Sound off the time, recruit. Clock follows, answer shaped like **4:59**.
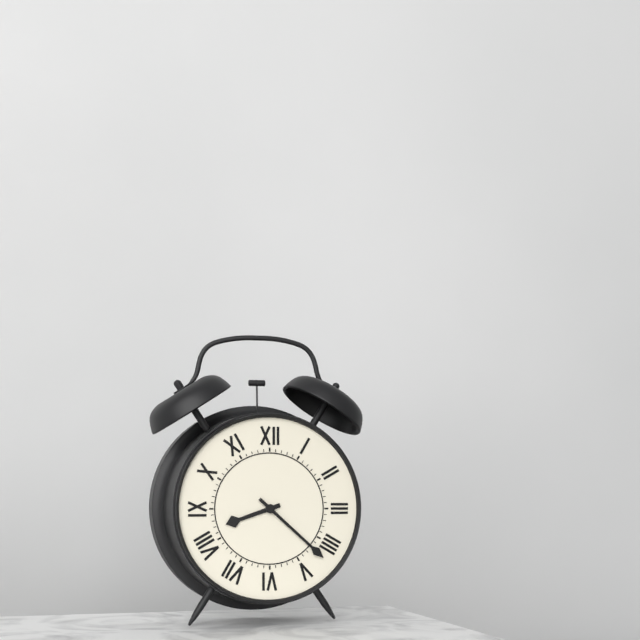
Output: **8:22**
